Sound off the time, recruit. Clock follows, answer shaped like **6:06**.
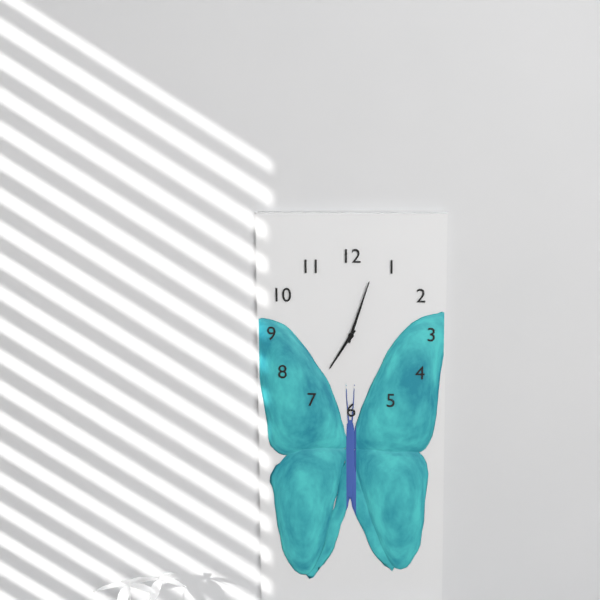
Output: **7:03**
